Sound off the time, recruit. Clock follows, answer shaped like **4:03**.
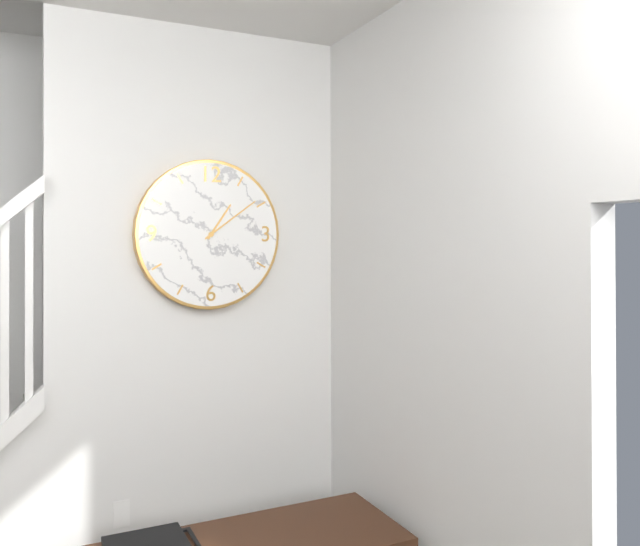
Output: **1:09**
